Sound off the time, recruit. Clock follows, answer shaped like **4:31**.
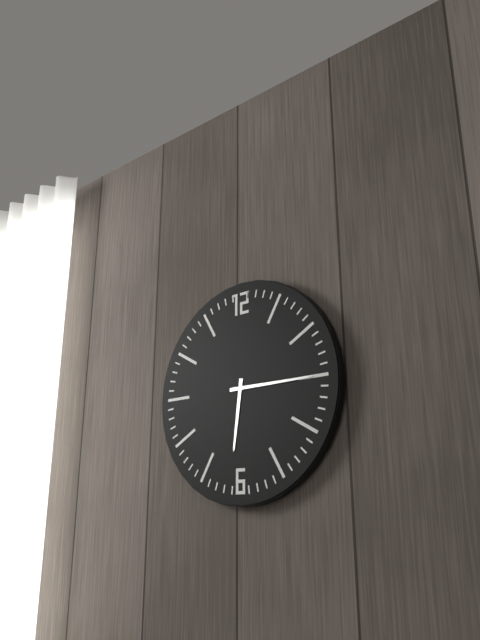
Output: **6:15**
